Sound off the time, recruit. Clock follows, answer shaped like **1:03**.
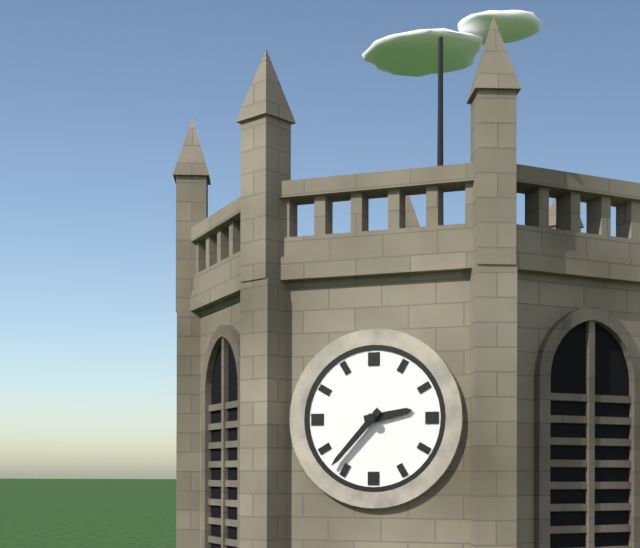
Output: **2:37**
